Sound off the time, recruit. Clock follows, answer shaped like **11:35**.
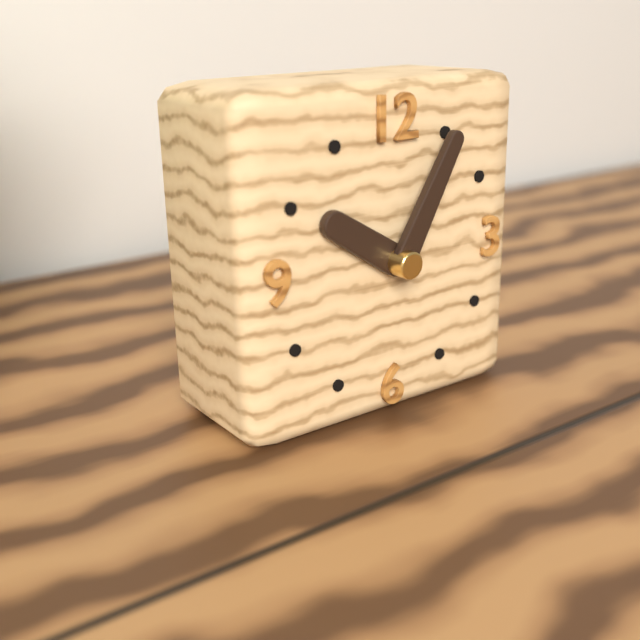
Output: **10:05**
